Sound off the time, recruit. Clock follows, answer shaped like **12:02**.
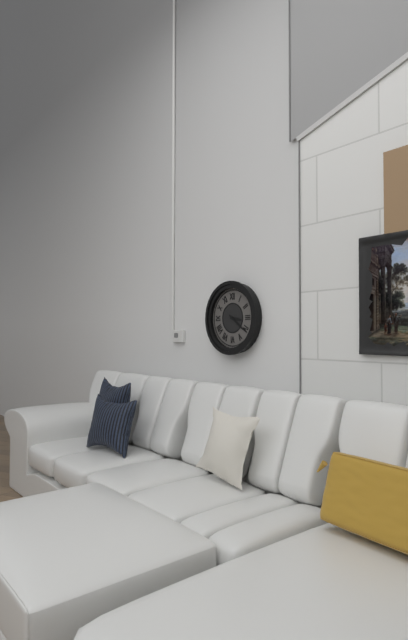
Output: **3:21**
